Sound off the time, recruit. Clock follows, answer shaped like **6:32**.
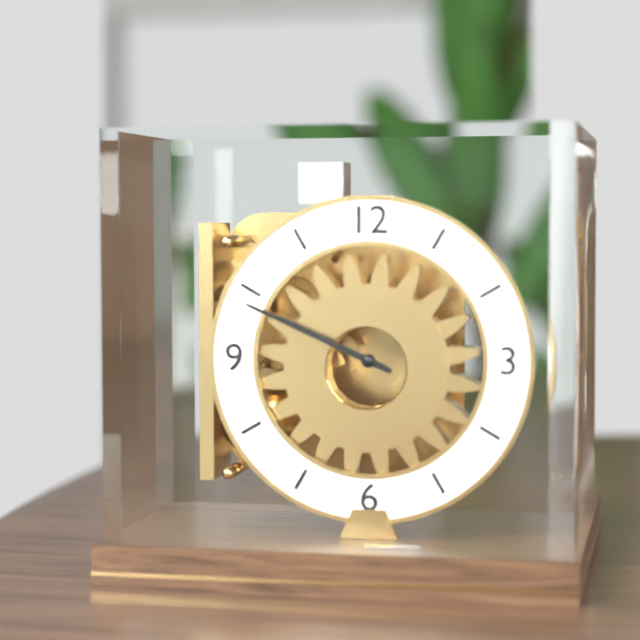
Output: **9:49**
